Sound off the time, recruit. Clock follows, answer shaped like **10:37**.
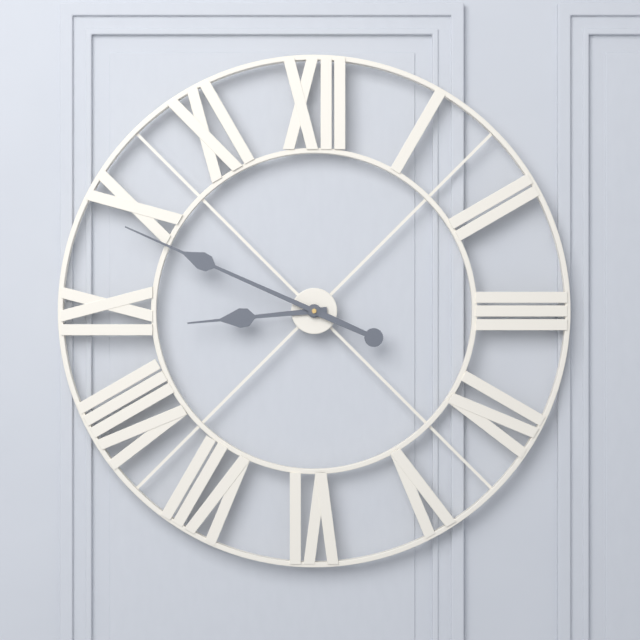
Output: **8:49**
